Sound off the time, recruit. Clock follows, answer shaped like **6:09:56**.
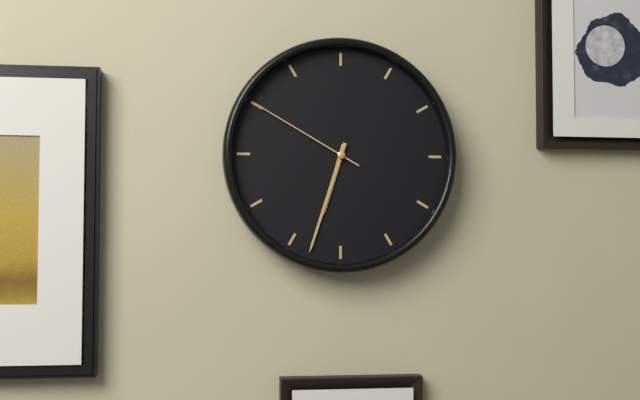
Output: **6:33:50**
